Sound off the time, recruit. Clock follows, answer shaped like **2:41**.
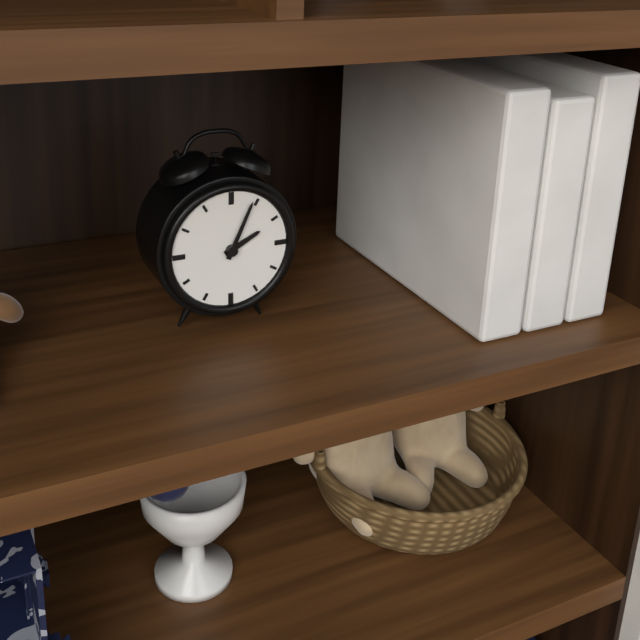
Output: **2:04**
